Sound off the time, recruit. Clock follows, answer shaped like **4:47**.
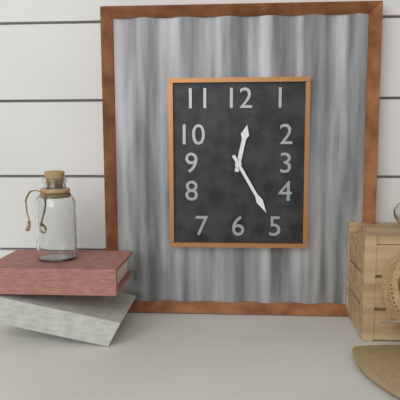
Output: **12:25**
